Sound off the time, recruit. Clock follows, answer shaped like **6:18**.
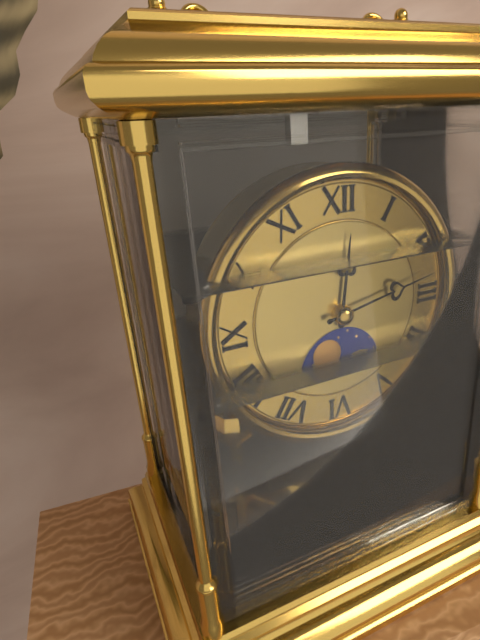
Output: **12:13**
